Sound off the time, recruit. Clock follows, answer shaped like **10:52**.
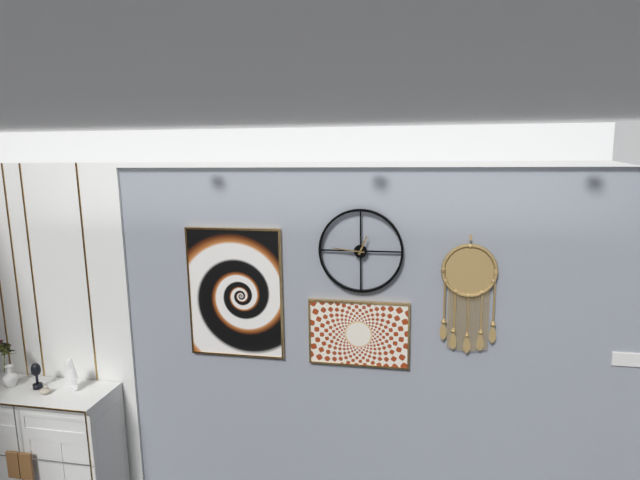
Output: **12:46**
